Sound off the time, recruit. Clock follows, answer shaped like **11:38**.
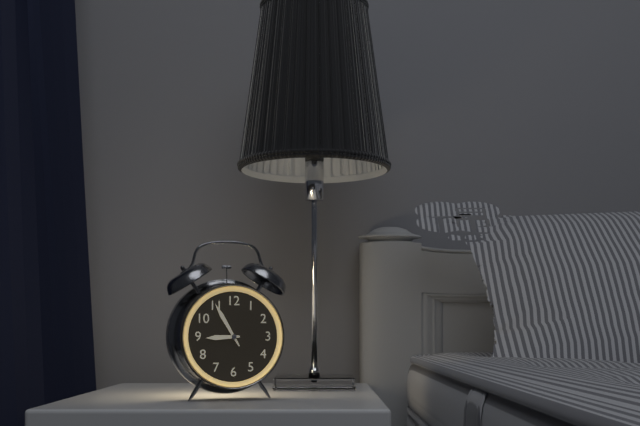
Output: **8:55**
